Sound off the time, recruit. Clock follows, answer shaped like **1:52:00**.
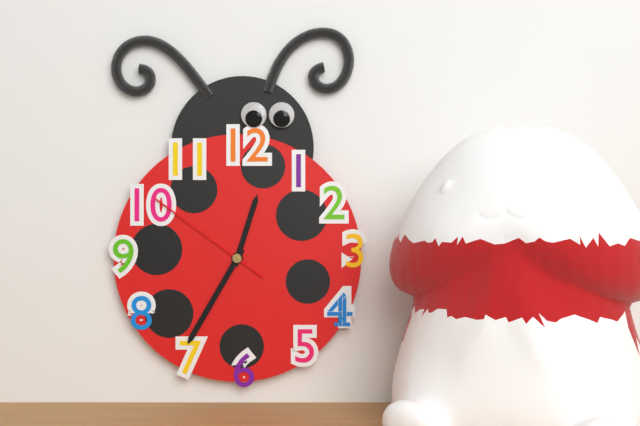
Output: **12:35:51**
